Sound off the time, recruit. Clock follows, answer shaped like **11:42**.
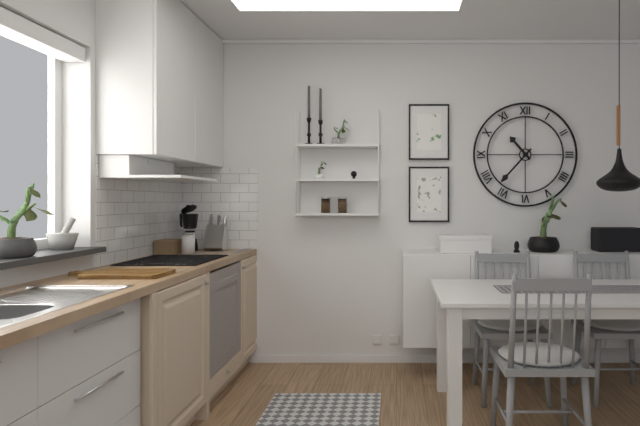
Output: **10:37**
